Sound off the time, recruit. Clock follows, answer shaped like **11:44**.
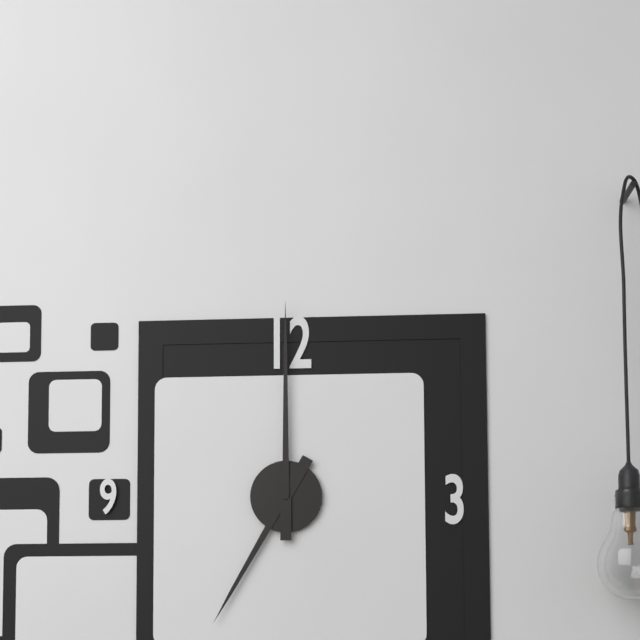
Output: **7:00**
